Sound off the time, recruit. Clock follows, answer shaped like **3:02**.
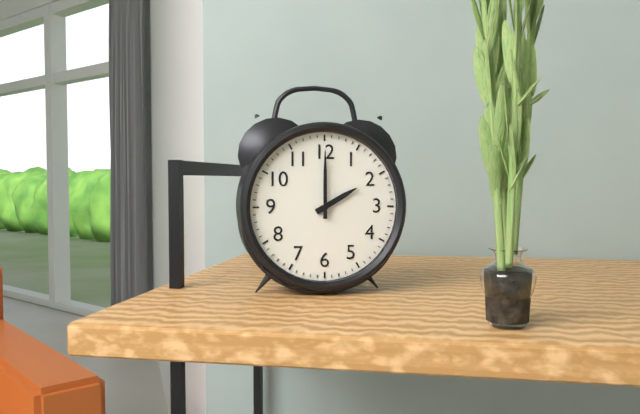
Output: **2:00**
